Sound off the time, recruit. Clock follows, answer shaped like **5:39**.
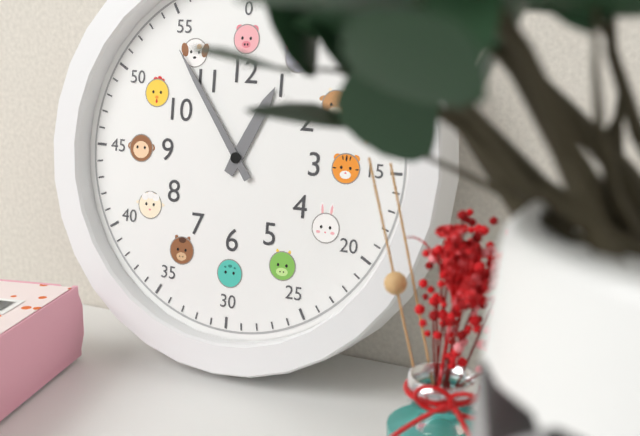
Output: **12:54**
